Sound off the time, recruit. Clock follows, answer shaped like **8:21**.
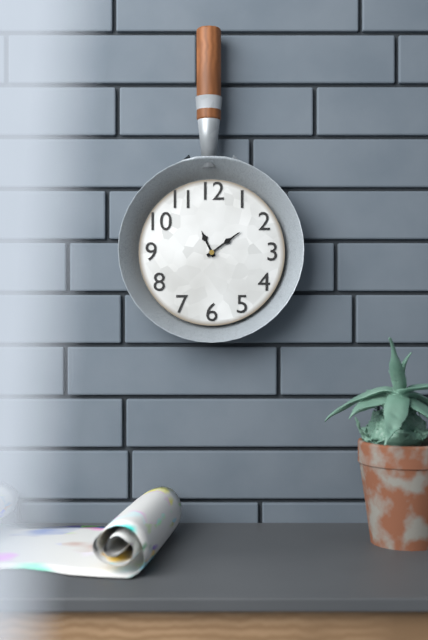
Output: **11:09**
